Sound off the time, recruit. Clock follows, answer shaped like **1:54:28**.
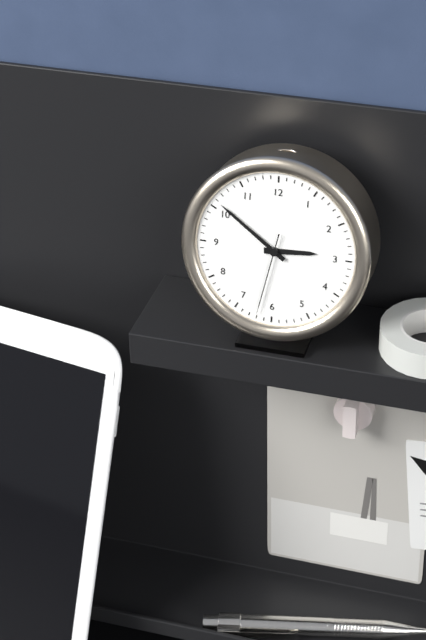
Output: **2:51:32**
